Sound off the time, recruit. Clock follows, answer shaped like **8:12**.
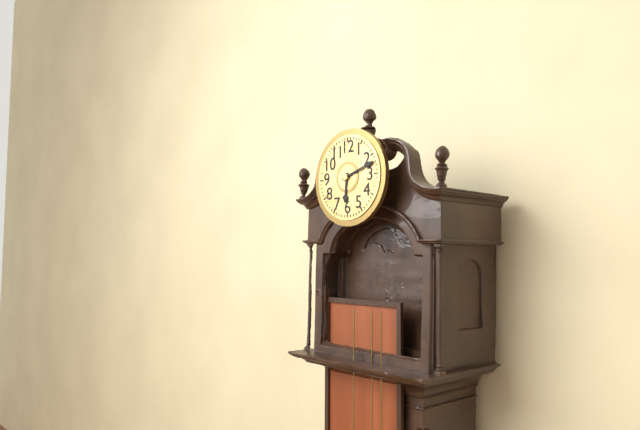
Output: **6:12**
